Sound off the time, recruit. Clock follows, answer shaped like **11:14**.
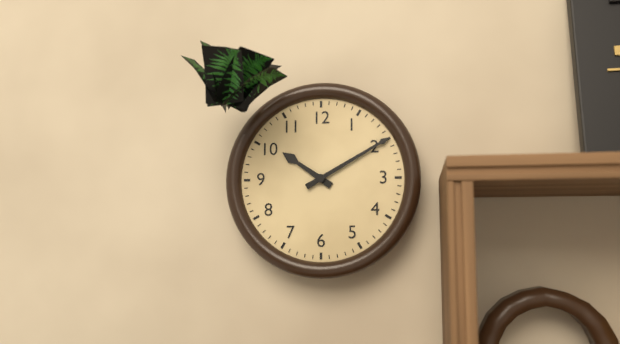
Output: **10:10**
